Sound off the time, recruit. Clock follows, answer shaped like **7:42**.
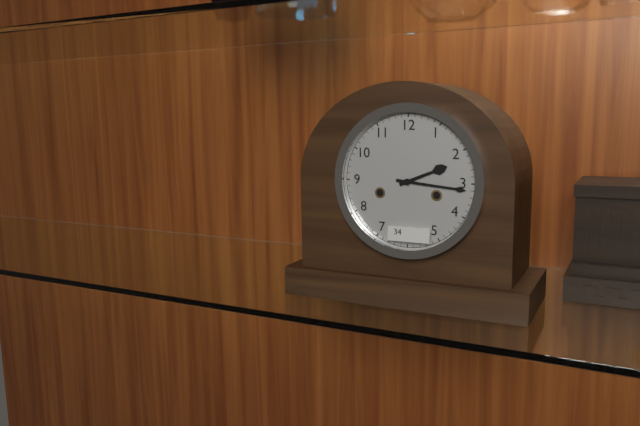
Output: **2:16**
